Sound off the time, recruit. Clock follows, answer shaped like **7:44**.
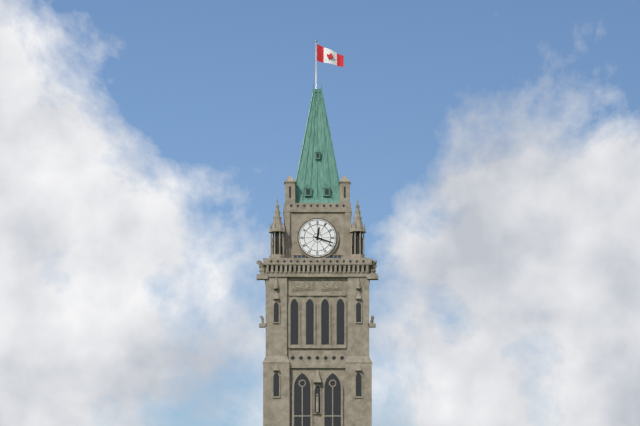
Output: **12:18**
